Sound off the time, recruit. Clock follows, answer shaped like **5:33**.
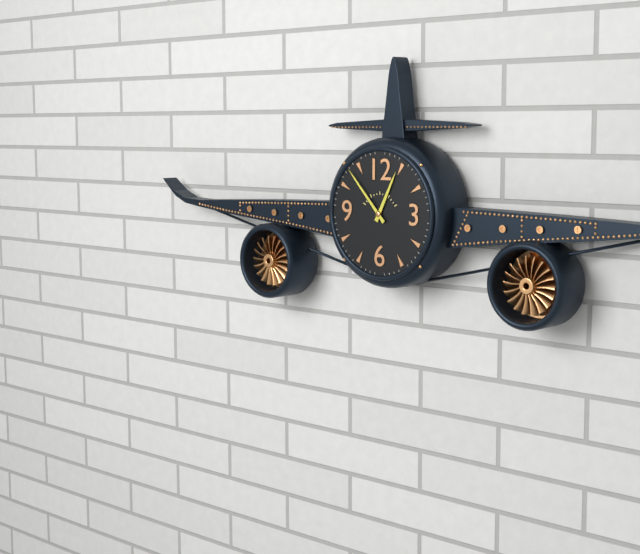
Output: **12:53**
